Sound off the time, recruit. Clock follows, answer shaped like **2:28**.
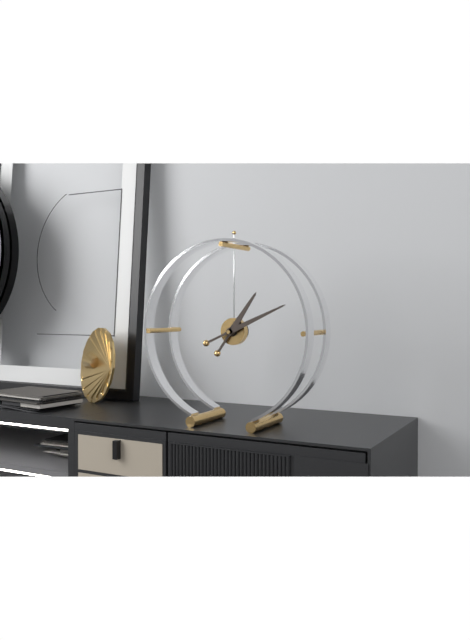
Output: **1:11**
